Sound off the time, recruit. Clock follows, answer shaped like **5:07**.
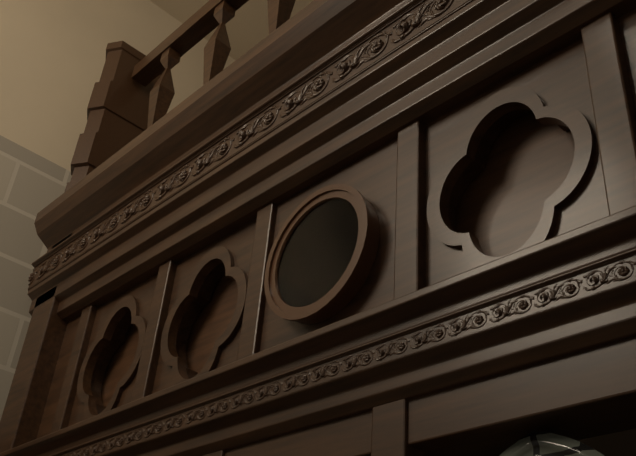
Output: **5:46**
